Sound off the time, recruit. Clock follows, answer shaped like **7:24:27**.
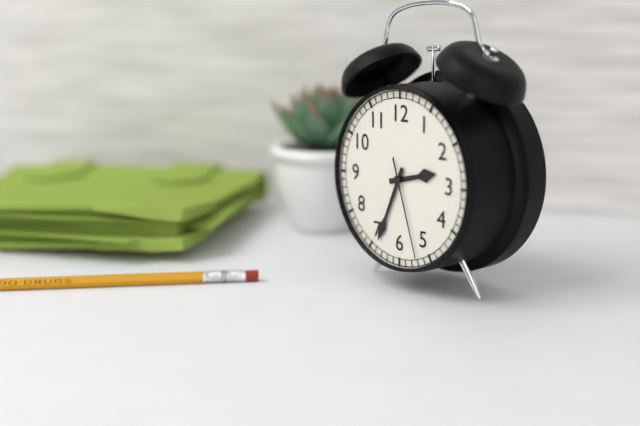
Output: **2:34:27**
